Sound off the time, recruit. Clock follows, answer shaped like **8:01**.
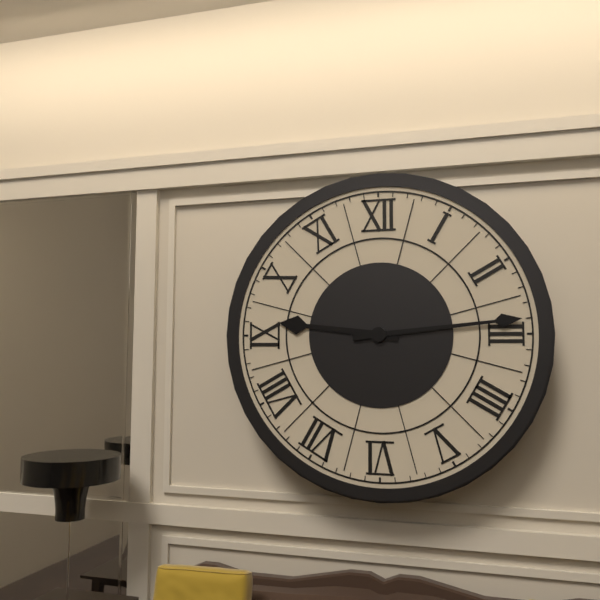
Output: **9:14**
